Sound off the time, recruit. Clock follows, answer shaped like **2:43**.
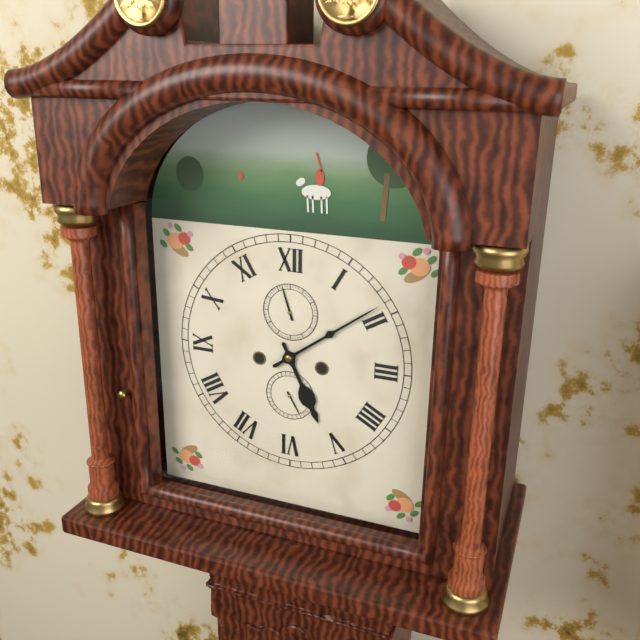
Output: **5:09**
